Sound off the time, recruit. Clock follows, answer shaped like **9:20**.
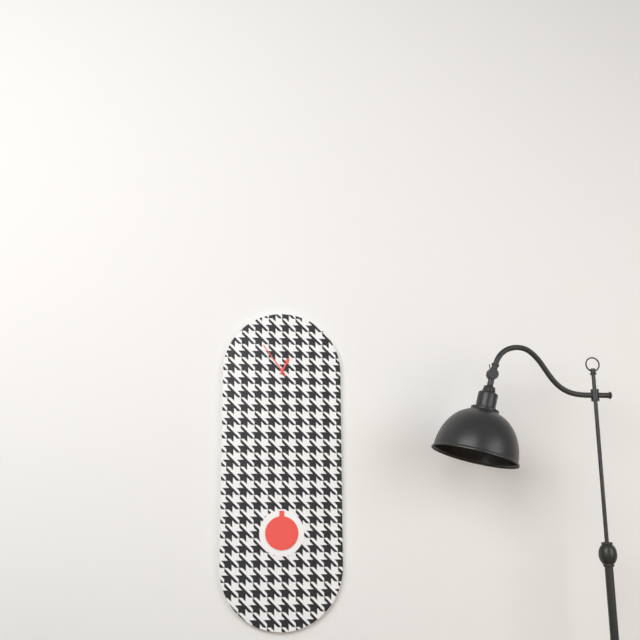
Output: **12:54**
